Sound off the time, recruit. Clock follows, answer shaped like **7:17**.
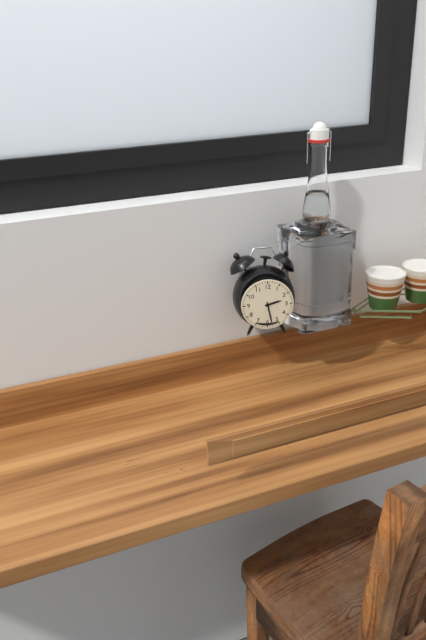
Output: **2:28**
